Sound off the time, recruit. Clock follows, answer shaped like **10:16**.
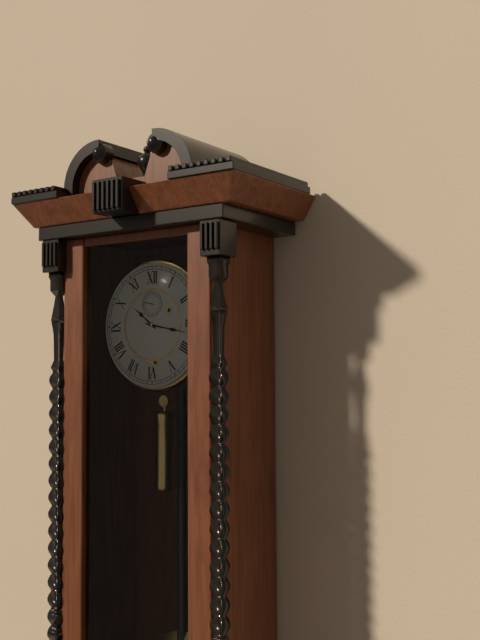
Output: **10:17**
